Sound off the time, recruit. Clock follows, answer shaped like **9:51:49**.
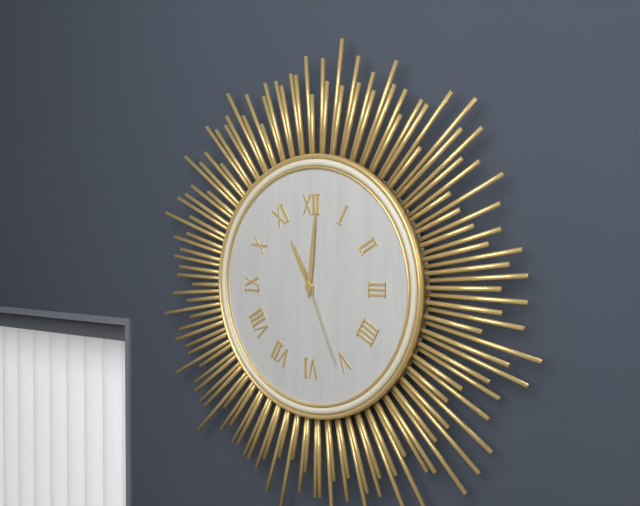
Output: **11:01:26**
